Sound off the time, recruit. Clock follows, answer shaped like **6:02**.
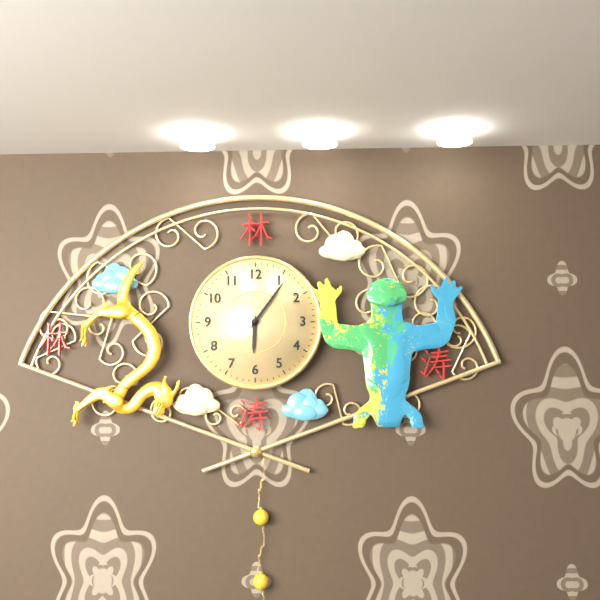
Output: **6:06**
